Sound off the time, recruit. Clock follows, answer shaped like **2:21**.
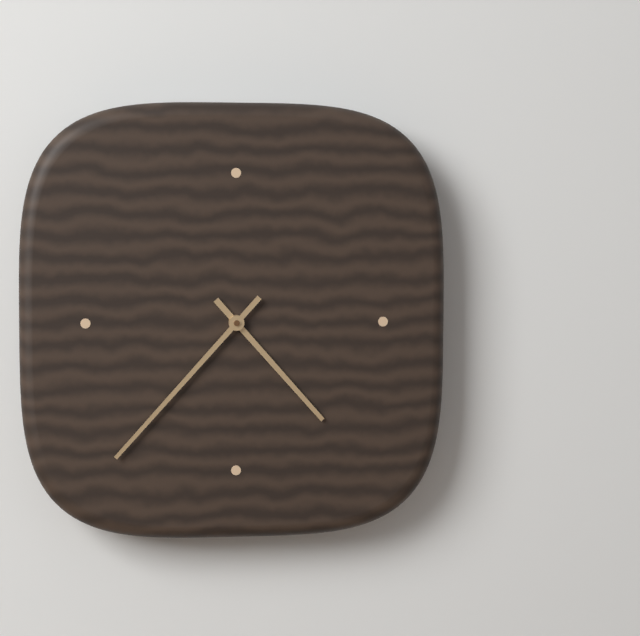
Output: **4:37**
